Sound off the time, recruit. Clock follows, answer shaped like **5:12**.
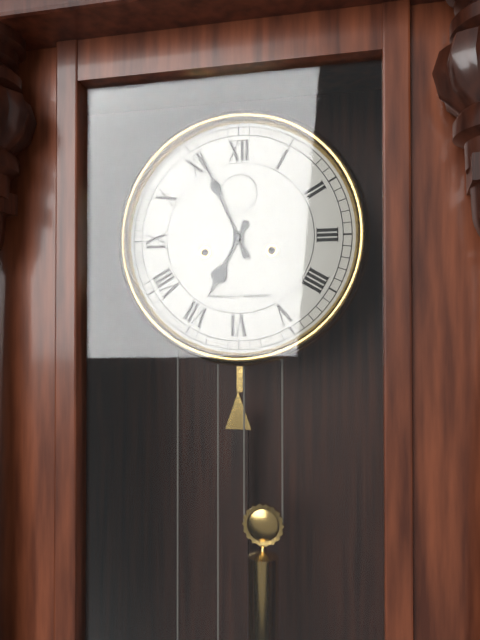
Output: **6:56**
